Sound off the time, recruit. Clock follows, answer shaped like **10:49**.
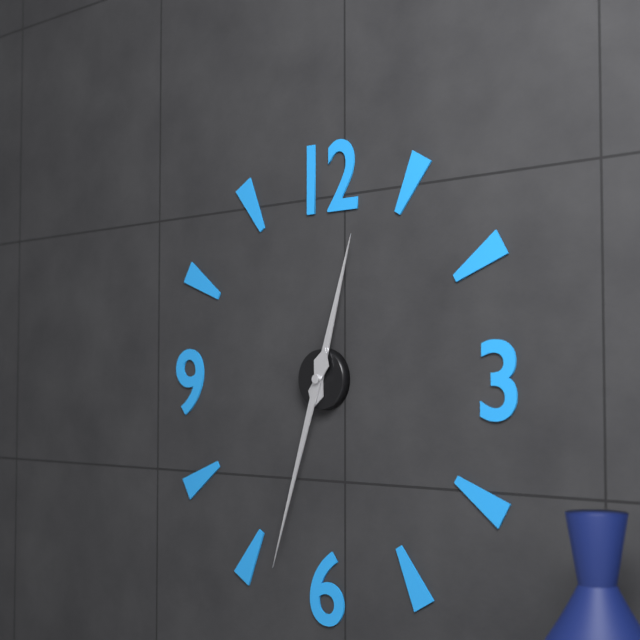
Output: **12:33**
